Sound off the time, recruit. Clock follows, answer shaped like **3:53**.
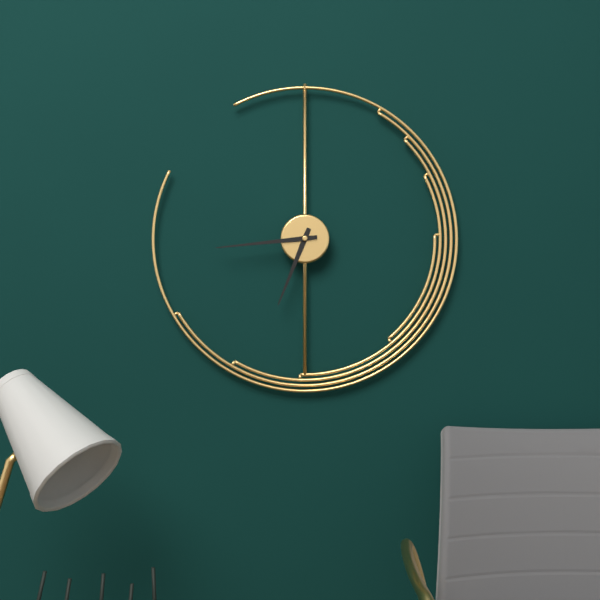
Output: **6:44**
